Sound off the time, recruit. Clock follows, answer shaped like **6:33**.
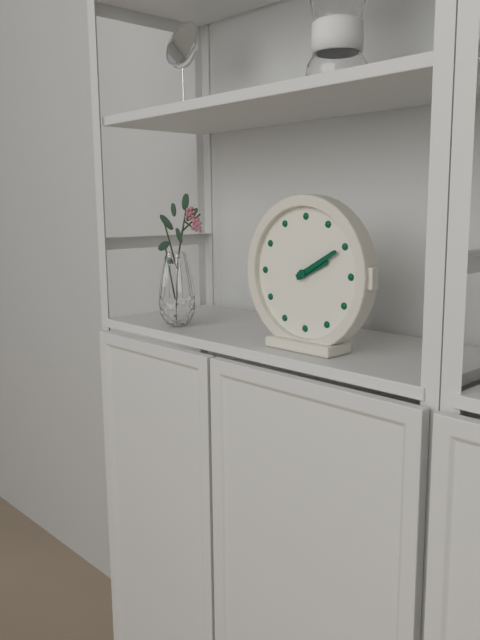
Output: **2:10**
